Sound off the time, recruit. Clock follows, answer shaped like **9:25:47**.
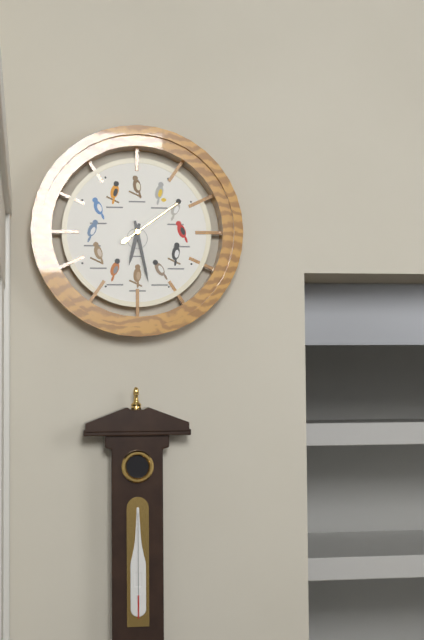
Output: **6:28:09**
